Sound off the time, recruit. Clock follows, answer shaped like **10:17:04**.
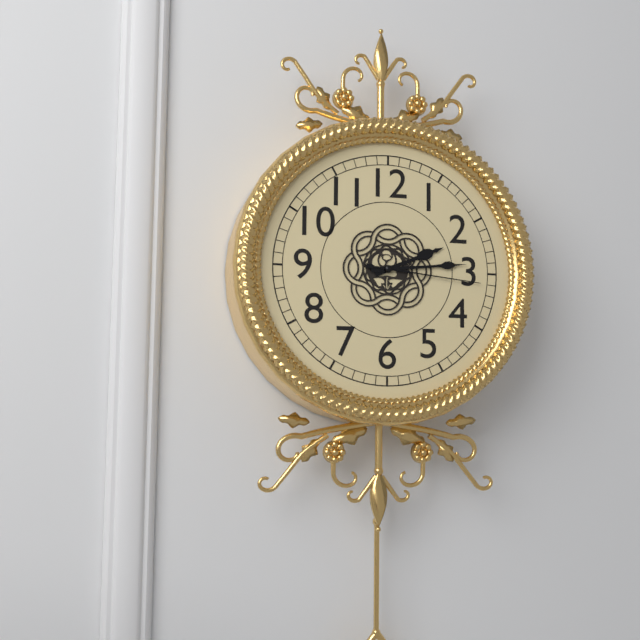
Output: **2:14:16**
